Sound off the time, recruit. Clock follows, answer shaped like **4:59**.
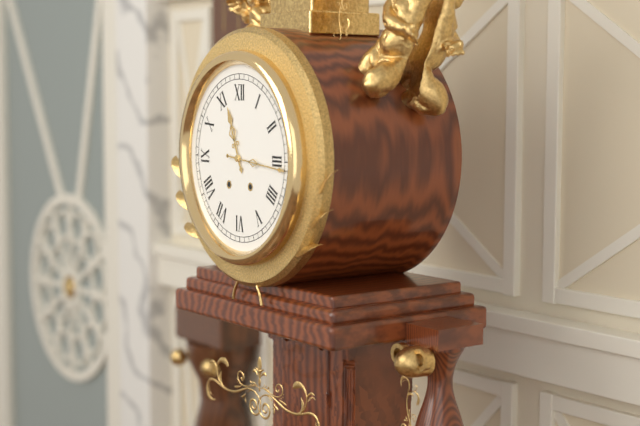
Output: **11:16**
